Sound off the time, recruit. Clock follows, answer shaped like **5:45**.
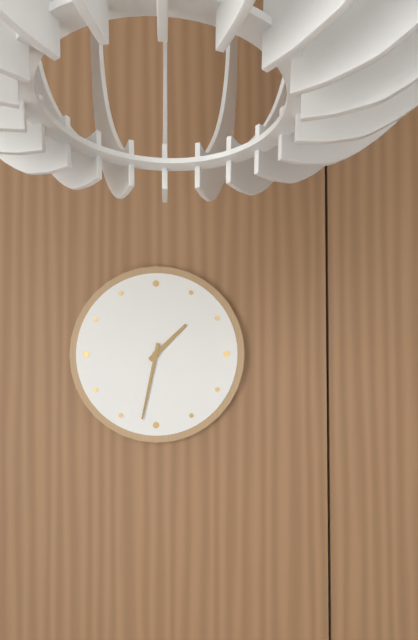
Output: **1:32**
